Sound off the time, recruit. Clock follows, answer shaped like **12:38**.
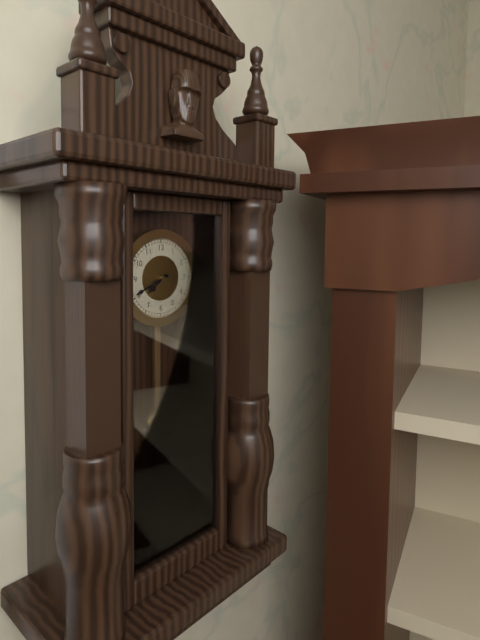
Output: **7:41**
